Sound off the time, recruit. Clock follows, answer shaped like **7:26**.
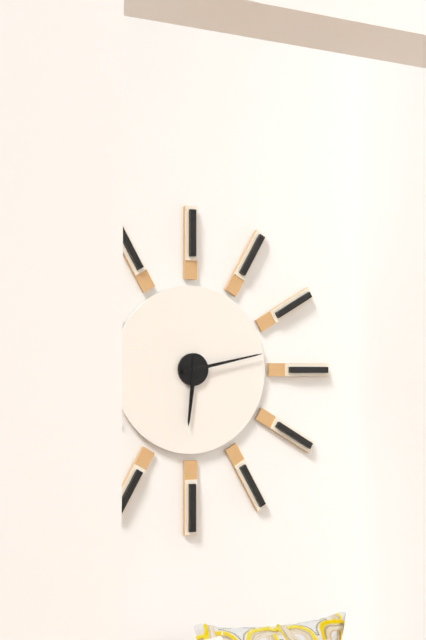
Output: **6:13**
